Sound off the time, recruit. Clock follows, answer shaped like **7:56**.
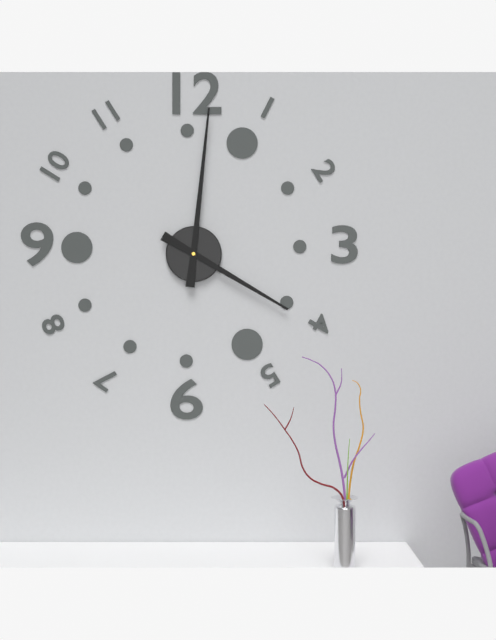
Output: **4:01**
